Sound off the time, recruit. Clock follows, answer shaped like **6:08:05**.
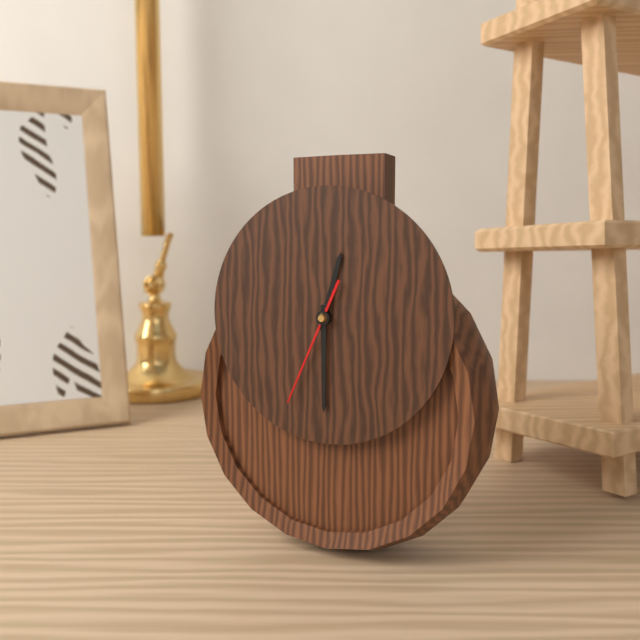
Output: **12:30:34**
